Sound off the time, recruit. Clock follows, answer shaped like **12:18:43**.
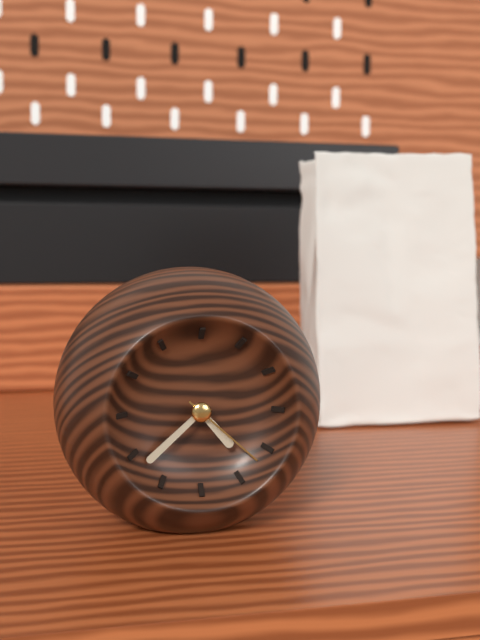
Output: **4:38:22**
